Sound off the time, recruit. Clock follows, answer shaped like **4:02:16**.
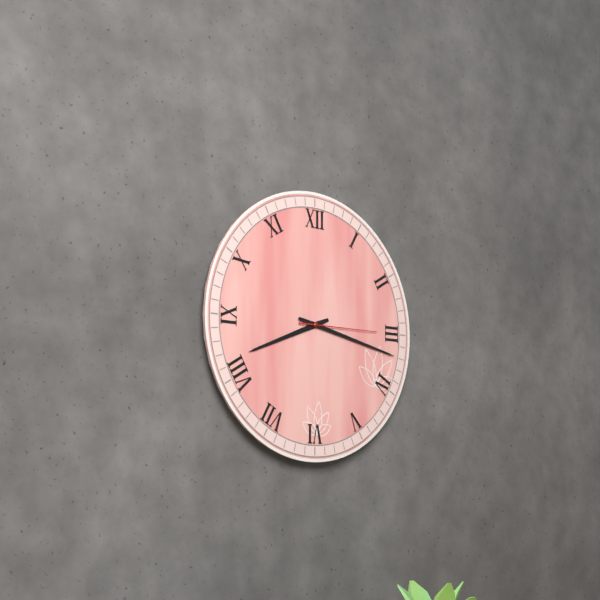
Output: **8:17:15**
